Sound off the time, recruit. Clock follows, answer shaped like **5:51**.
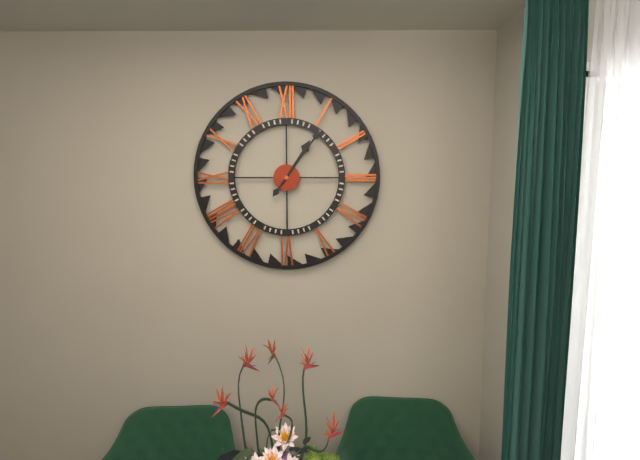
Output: **1:06**
